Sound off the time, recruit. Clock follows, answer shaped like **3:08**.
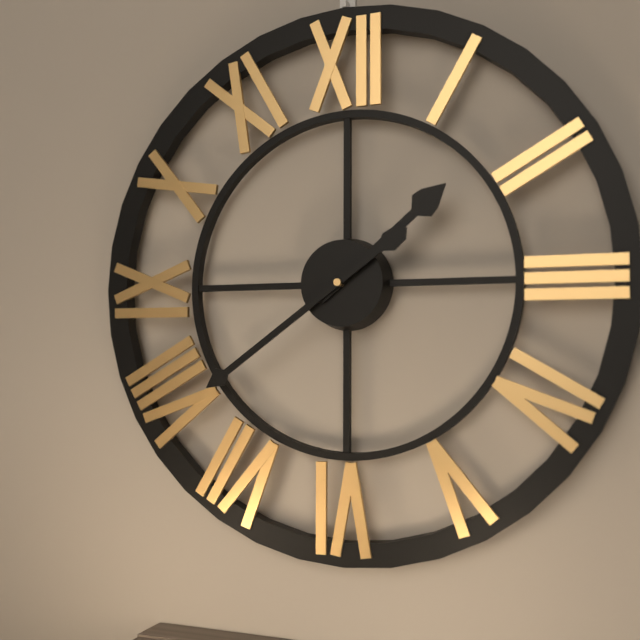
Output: **1:39**
